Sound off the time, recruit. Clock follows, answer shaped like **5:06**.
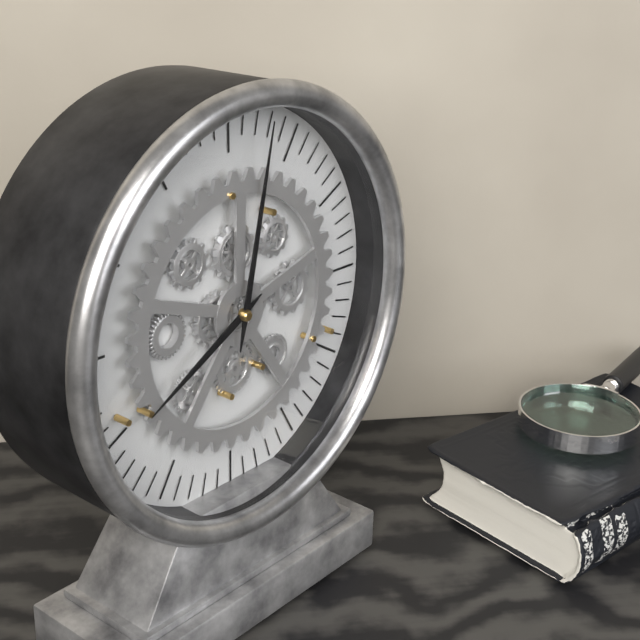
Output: **8:02**
